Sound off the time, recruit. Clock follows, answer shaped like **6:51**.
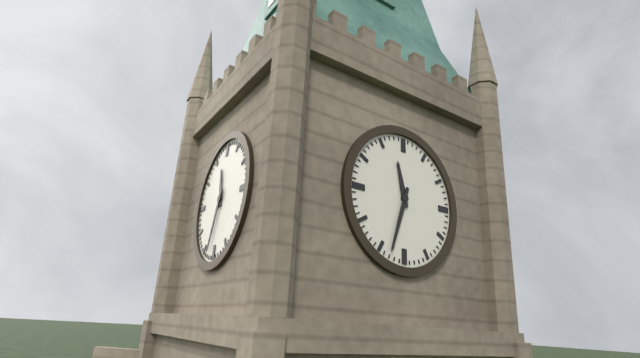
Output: **11:33**
